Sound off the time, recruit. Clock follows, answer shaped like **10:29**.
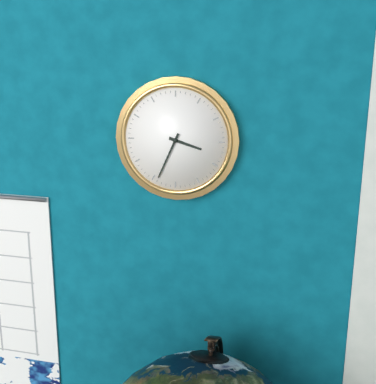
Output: **3:34**
